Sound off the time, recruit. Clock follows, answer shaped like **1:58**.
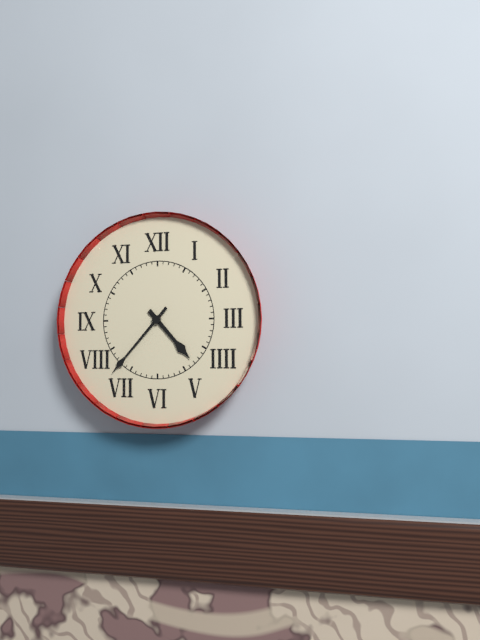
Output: **4:37**
